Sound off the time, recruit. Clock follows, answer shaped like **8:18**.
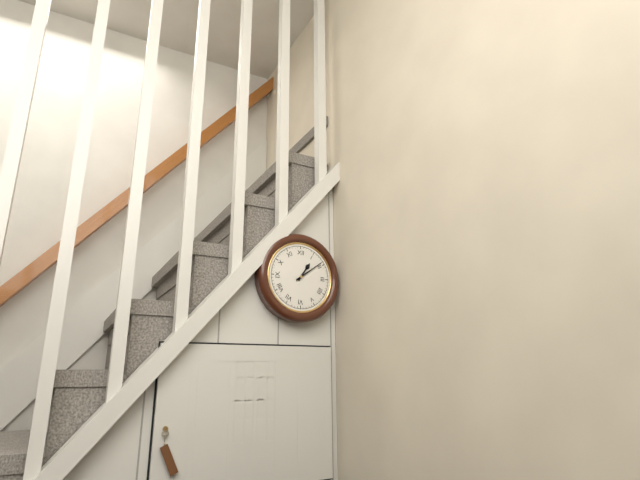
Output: **1:09**
